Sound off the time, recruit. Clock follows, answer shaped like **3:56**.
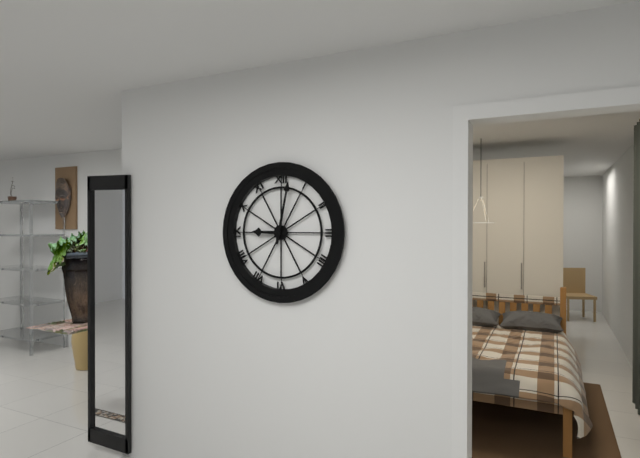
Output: **9:02**
